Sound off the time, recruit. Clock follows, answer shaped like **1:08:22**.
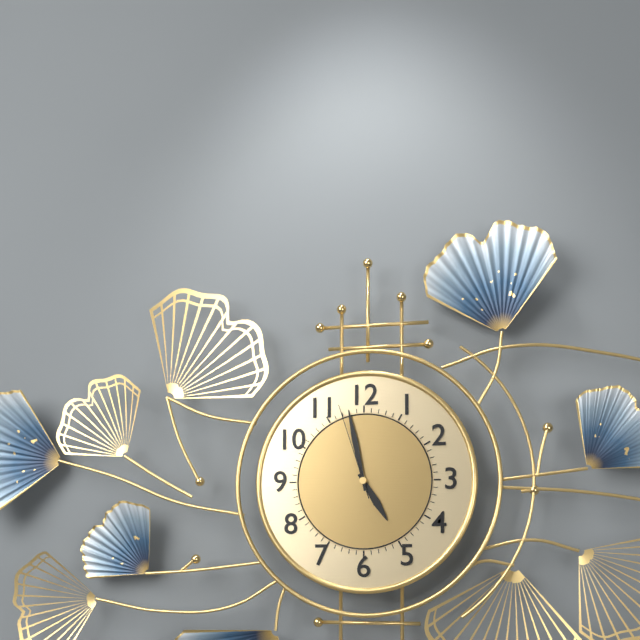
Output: **4:58:57**
